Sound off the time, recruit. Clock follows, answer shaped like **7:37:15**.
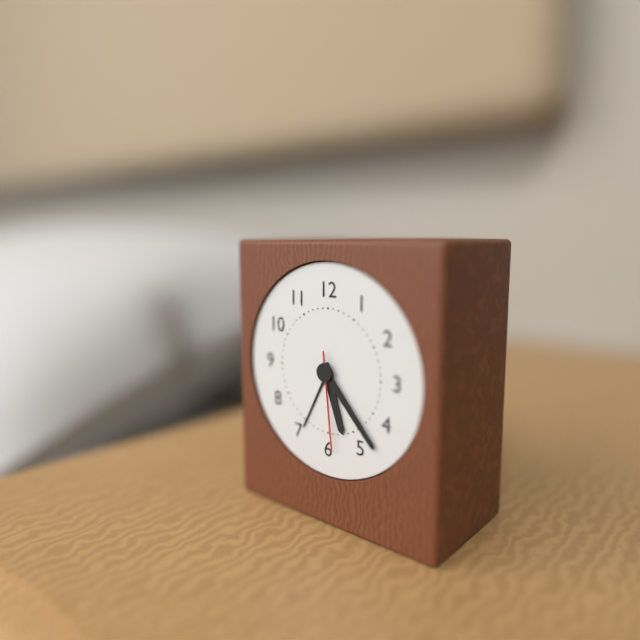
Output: **5:23:29**
